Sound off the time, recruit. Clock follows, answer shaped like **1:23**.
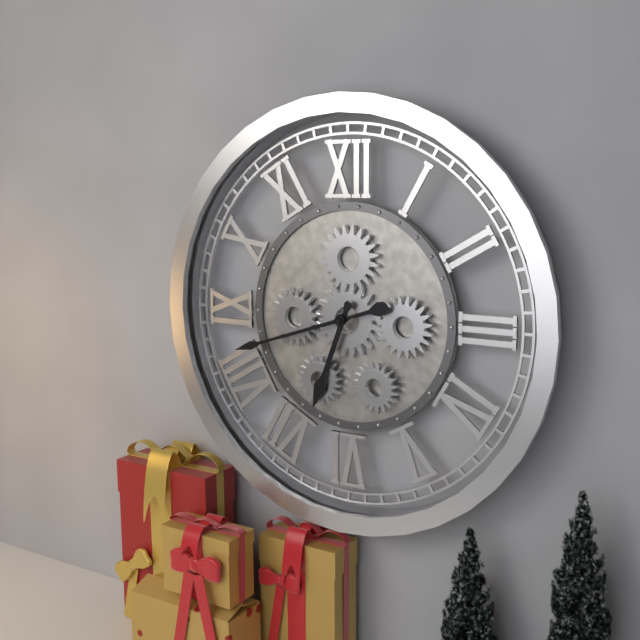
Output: **6:42**
